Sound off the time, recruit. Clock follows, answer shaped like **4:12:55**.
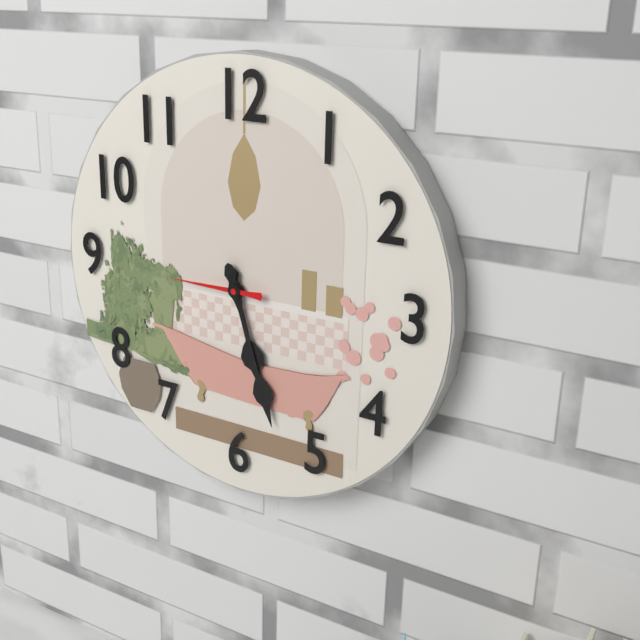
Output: **5:27:45**
